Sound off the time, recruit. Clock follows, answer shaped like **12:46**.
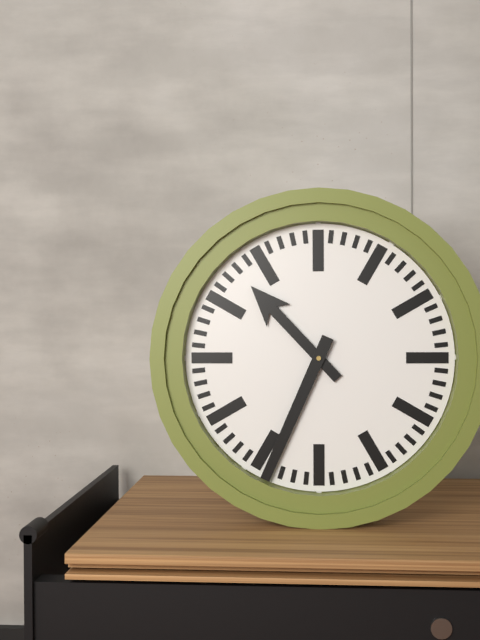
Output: **10:34**
